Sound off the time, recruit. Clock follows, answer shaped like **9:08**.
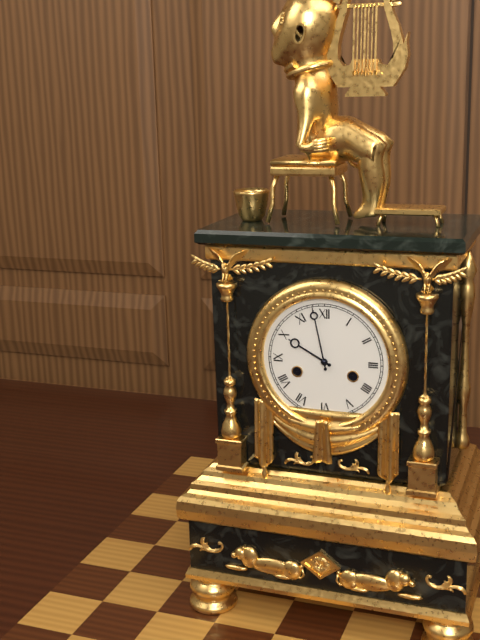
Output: **9:58**
